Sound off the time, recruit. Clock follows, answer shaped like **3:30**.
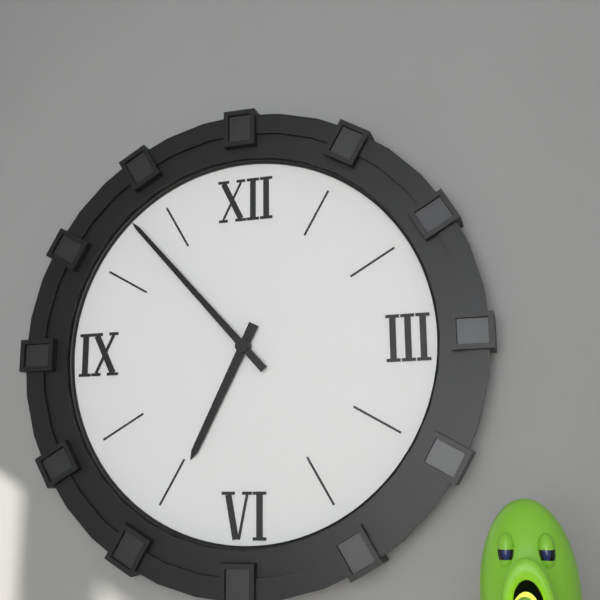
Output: **6:53**
